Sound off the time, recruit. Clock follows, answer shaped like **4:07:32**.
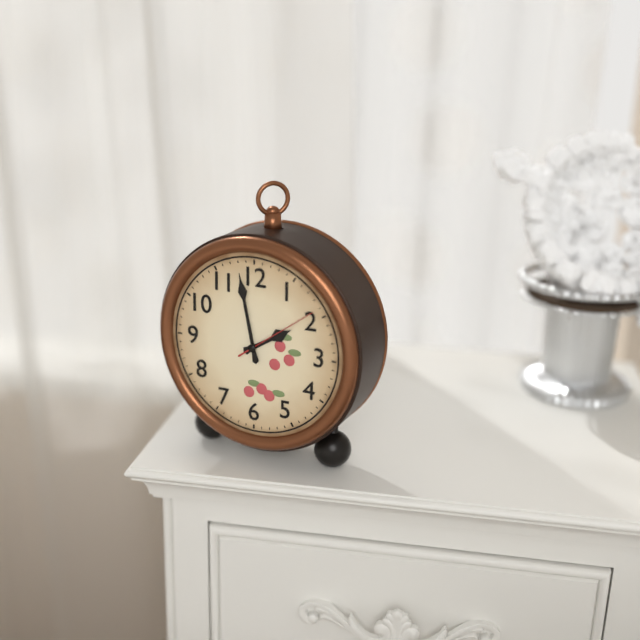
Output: **1:58:09**
